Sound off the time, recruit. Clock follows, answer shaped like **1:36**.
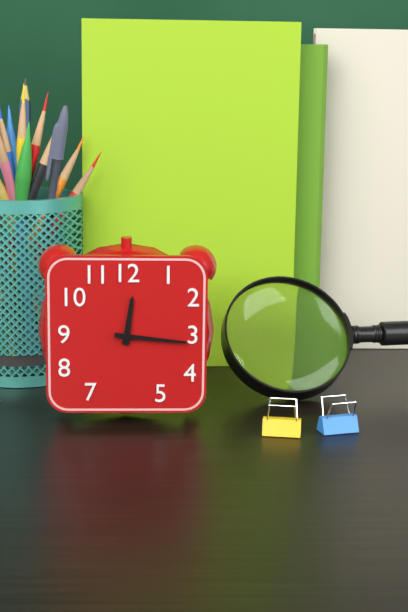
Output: **12:16**
